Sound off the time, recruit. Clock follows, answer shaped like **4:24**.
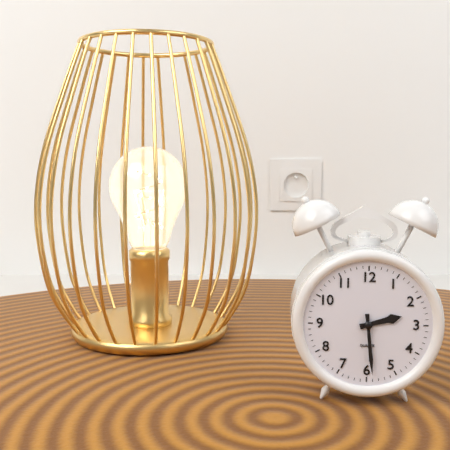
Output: **2:29**
